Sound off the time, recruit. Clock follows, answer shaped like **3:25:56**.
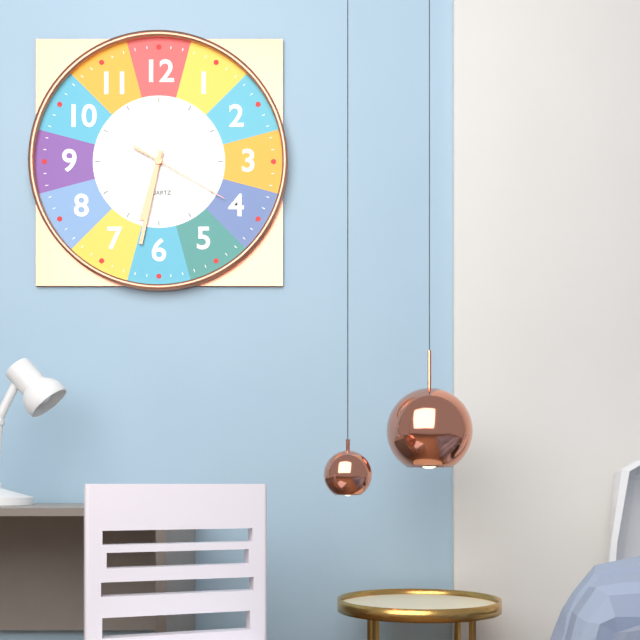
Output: **6:32:20**
